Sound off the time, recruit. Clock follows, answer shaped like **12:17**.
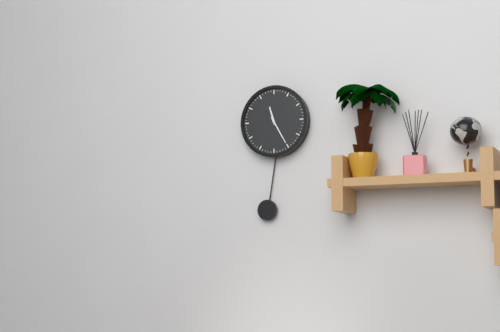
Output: **11:25**
